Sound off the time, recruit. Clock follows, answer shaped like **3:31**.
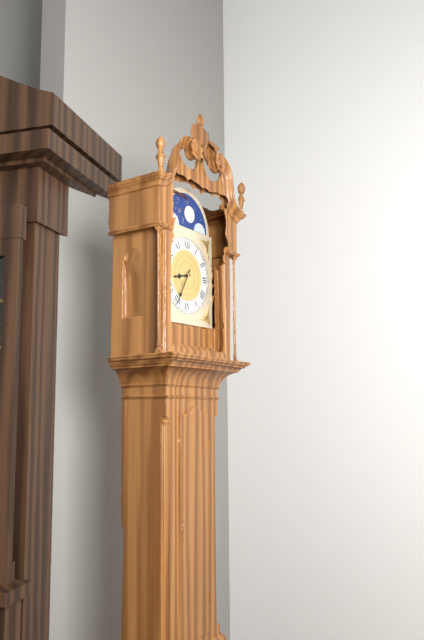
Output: **8:35**
